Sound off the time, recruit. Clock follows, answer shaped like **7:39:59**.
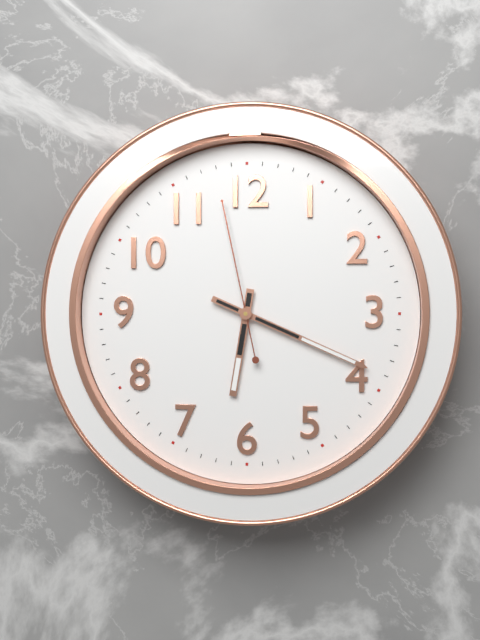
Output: **6:19:58**
